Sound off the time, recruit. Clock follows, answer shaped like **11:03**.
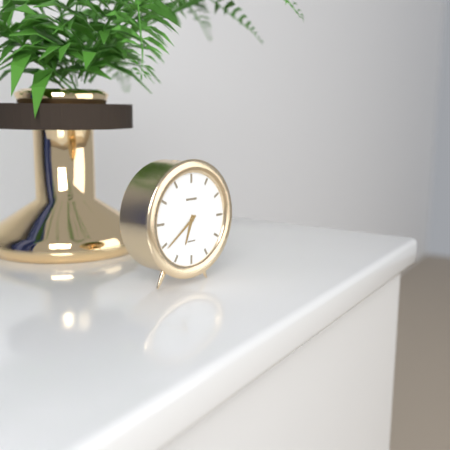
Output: **6:39**
